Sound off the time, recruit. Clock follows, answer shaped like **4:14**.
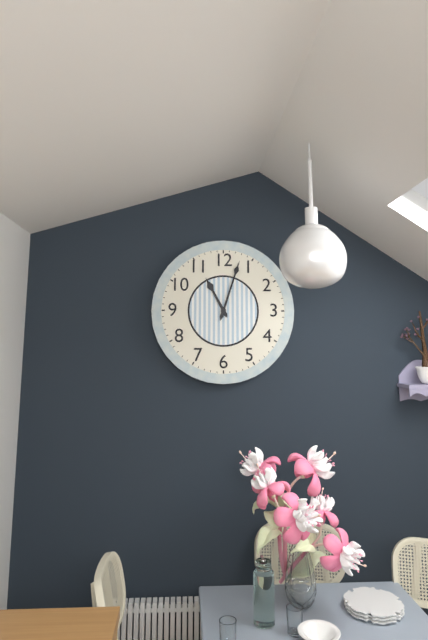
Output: **11:03**
